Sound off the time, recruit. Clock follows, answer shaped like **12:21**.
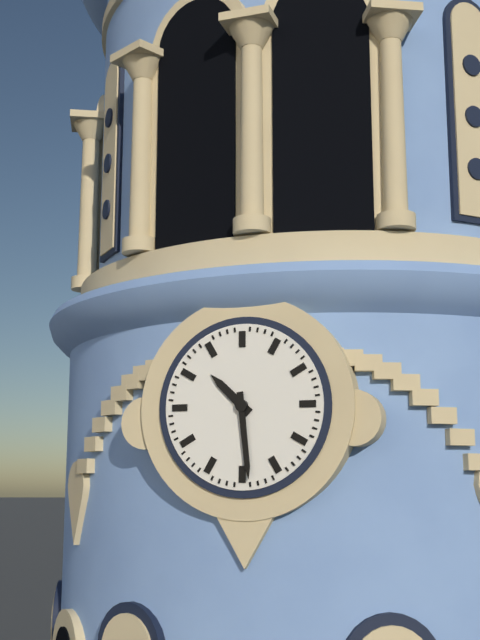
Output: **10:29**
